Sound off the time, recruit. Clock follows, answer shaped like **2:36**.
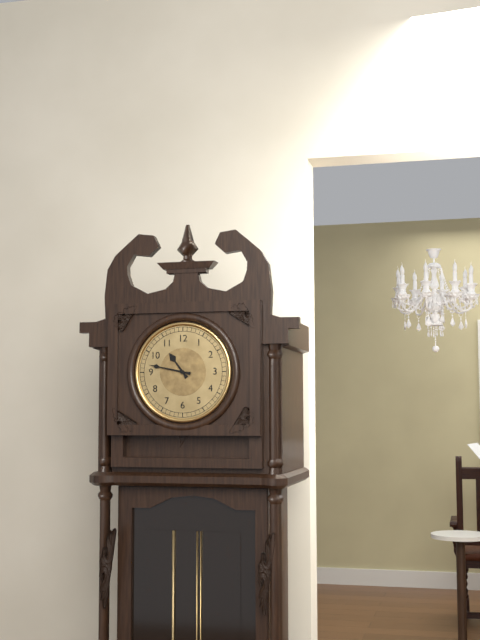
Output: **10:47**
